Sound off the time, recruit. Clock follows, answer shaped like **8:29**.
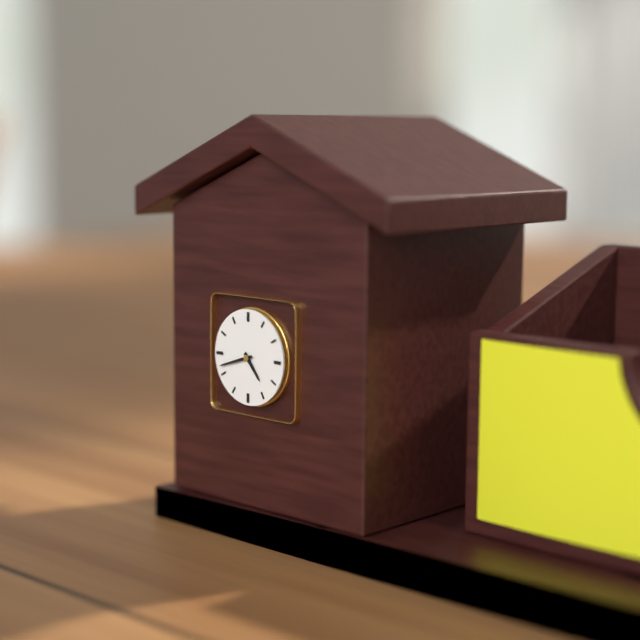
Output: **4:42**
